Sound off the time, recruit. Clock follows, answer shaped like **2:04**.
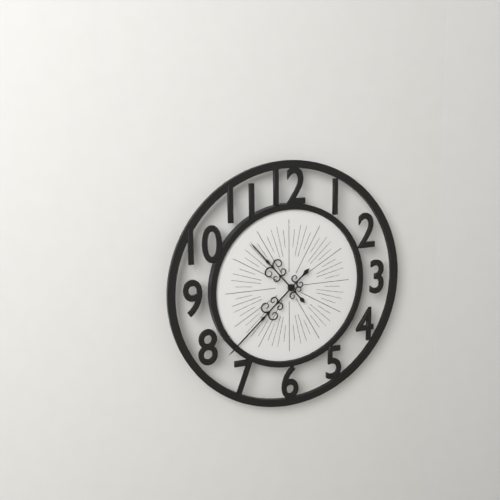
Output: **10:38**
